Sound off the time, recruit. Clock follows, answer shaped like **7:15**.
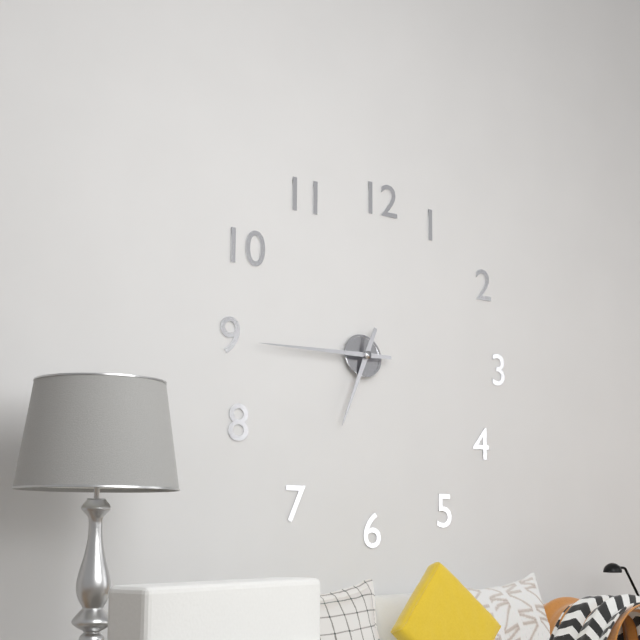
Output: **6:45**
